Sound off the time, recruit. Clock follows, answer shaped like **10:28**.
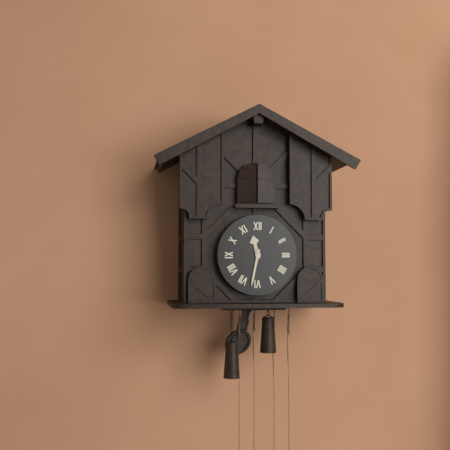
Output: **11:32**
